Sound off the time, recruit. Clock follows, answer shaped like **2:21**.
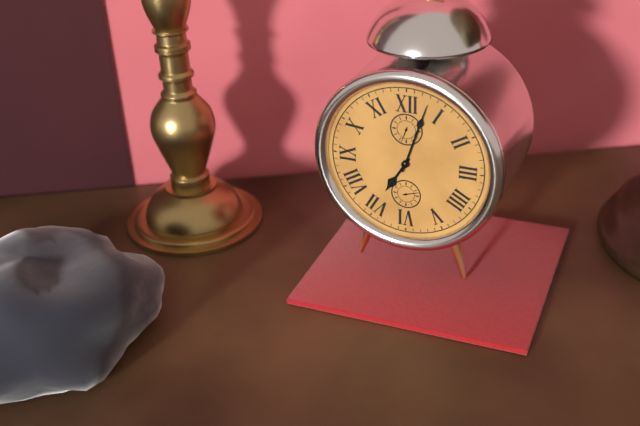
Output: **7:03**
